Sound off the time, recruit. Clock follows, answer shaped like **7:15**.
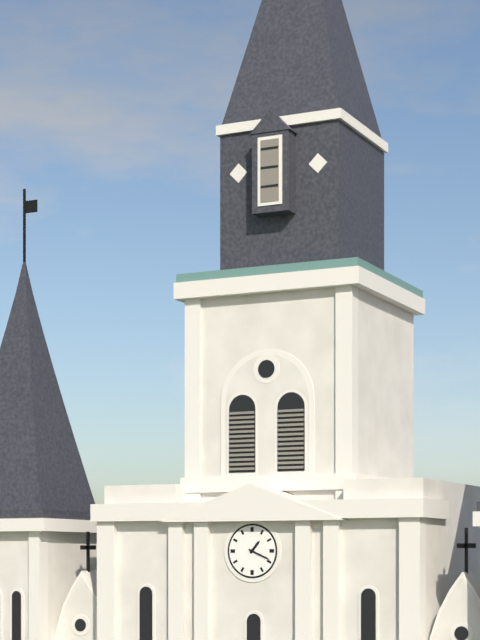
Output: **1:19**
